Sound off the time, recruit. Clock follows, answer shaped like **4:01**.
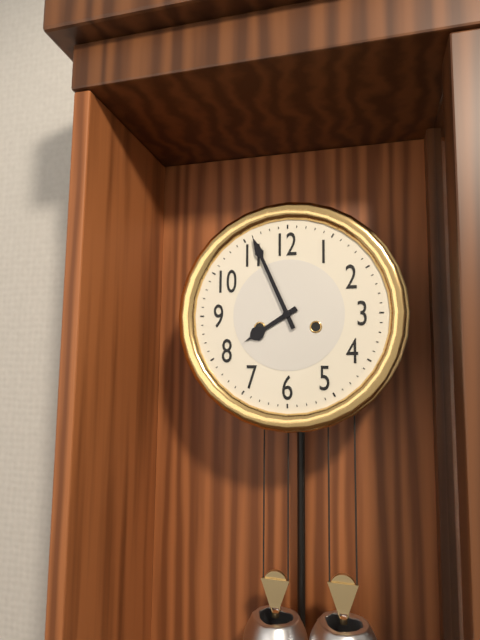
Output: **7:56**
